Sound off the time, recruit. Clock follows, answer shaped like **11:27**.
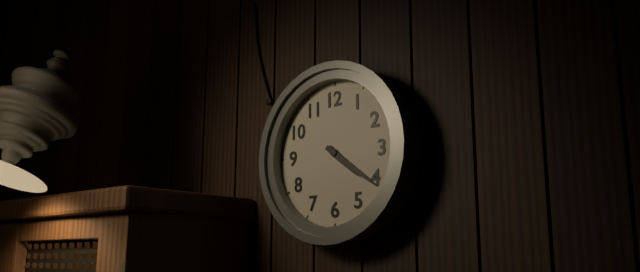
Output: **4:21**
